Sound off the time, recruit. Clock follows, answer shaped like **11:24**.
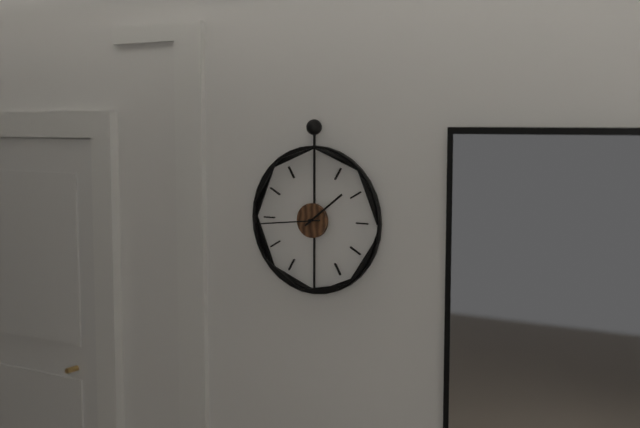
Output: **1:44**
